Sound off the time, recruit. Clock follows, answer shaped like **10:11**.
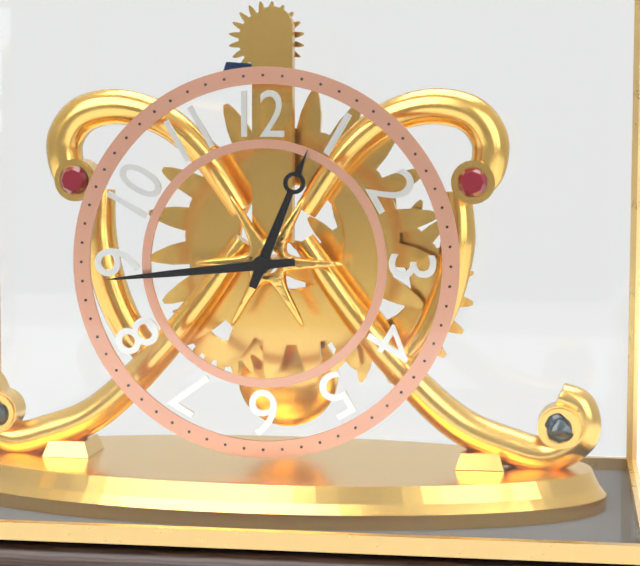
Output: **12:44**
